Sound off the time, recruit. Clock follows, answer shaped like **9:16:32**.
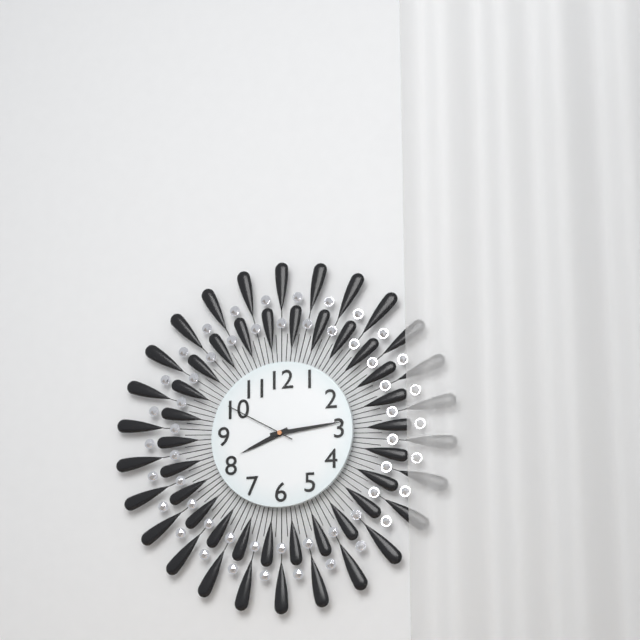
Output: **8:14:50**
